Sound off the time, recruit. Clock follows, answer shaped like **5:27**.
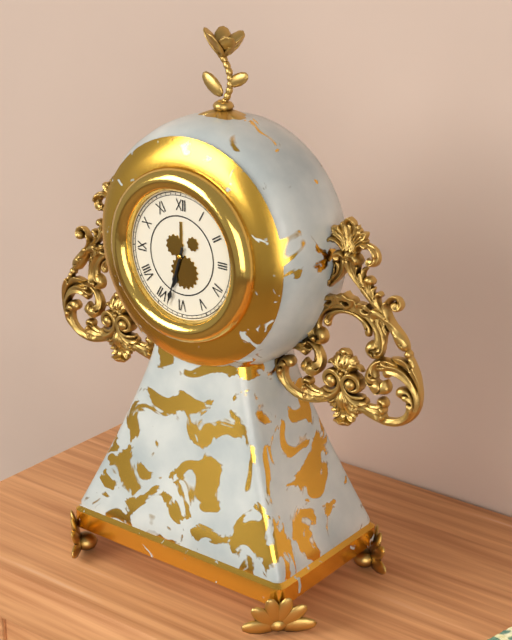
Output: **6:33**
